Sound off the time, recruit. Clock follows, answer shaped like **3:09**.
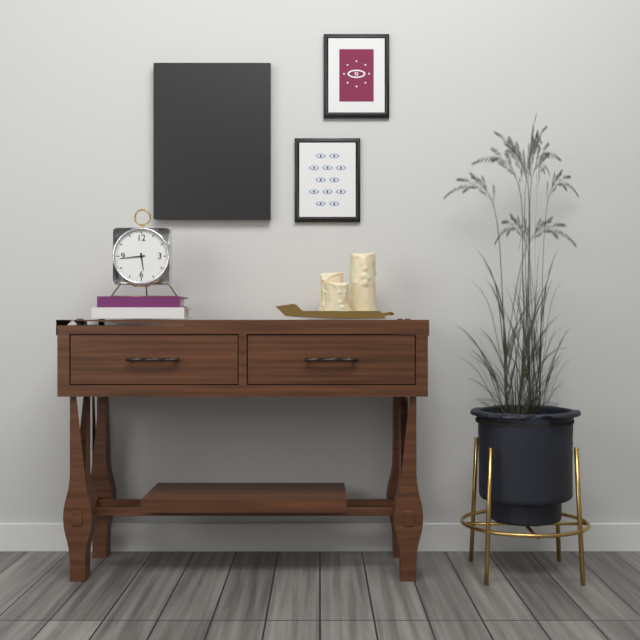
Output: **5:44**
